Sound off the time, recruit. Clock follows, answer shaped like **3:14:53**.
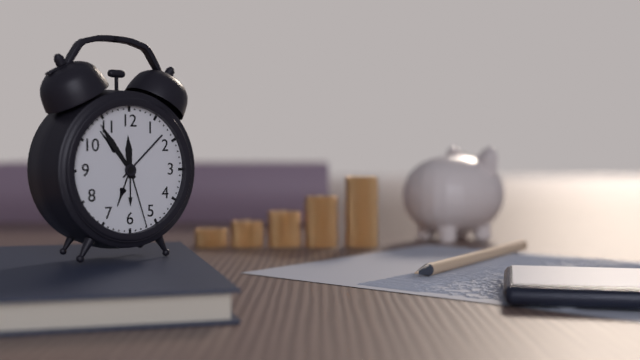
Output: **11:54:27**
